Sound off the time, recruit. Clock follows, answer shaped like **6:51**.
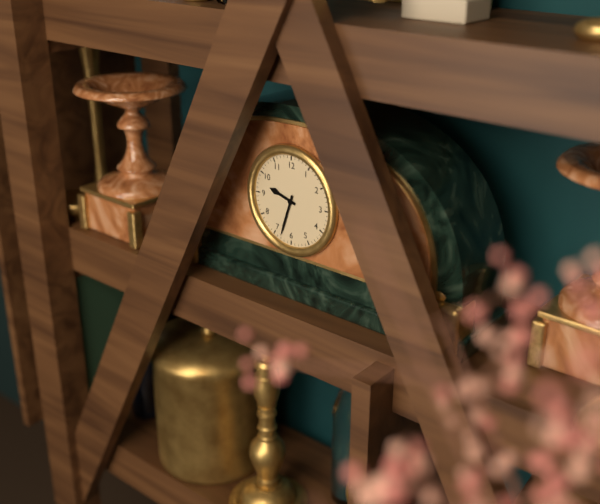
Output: **9:33**
